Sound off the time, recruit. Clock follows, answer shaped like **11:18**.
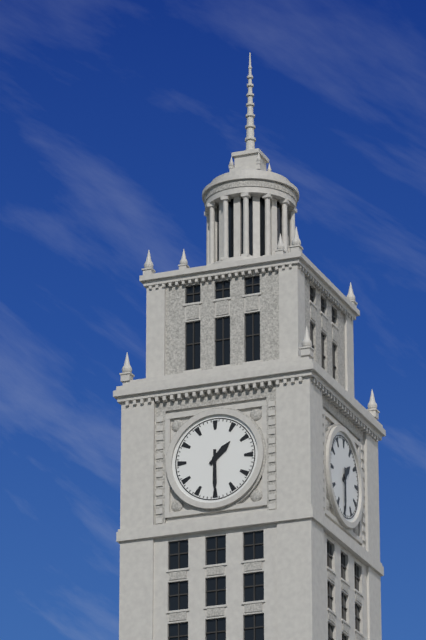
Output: **1:30**
